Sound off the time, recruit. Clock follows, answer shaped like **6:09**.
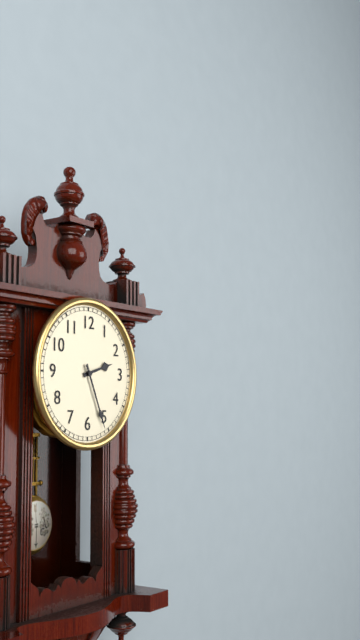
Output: **2:26**
